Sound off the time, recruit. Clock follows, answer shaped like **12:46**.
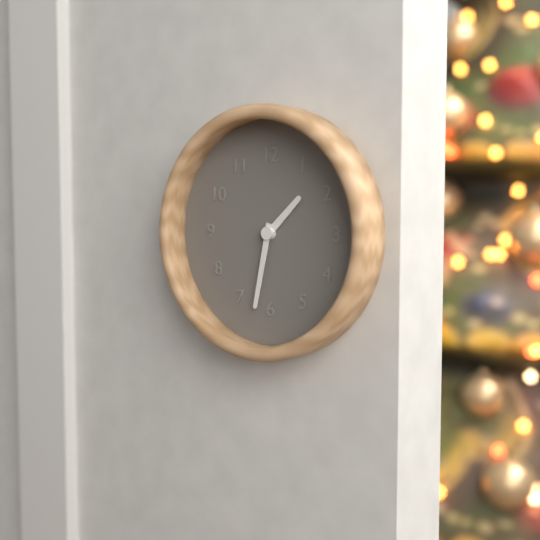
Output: **1:32**
